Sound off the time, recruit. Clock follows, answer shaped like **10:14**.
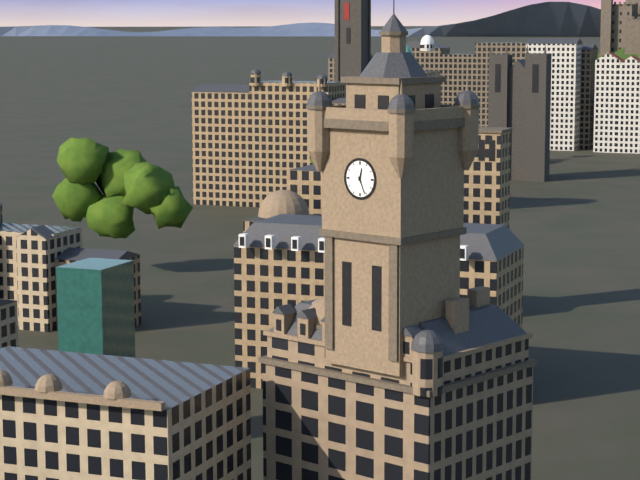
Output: **12:26**
